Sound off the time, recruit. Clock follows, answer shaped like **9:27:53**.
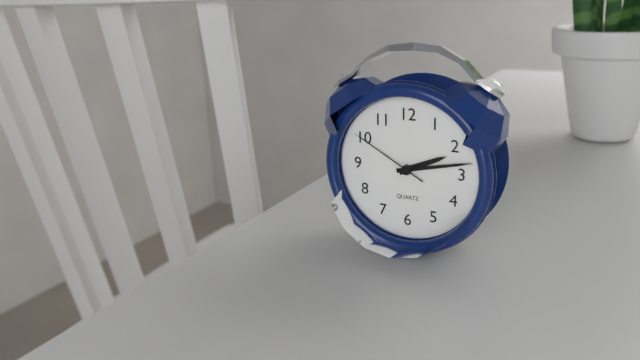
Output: **2:13:50**
